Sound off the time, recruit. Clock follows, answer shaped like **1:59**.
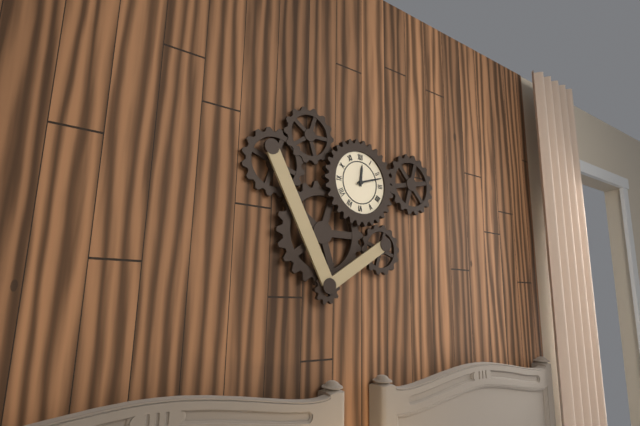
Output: **12:12**
